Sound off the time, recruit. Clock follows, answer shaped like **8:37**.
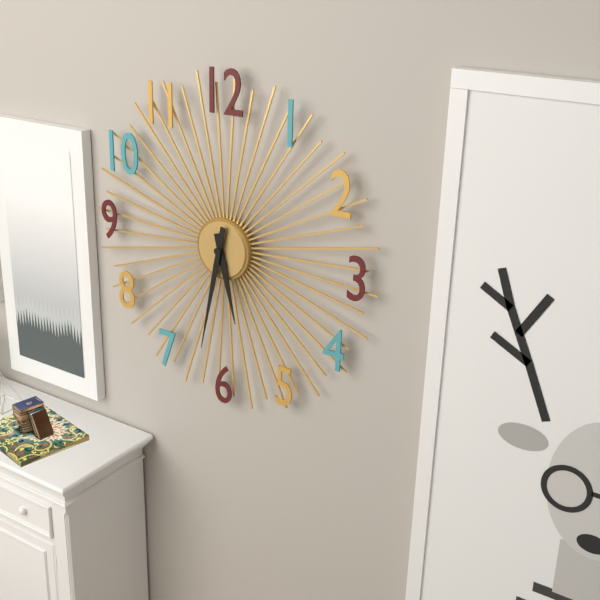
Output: **5:32**
